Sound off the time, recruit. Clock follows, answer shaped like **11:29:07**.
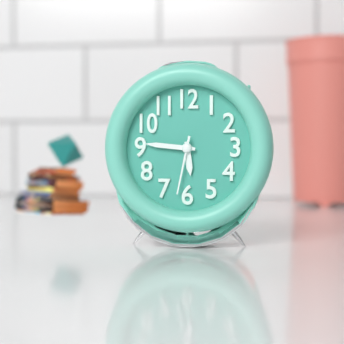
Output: **5:46:32**
